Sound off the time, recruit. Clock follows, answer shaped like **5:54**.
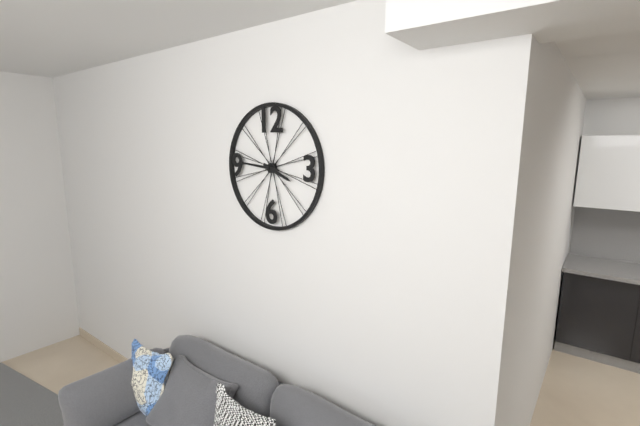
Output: **3:46**
